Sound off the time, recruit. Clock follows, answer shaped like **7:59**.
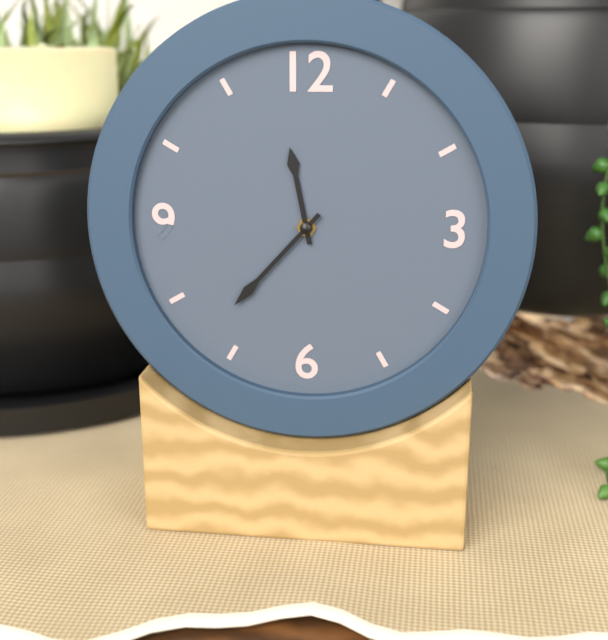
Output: **11:37**
